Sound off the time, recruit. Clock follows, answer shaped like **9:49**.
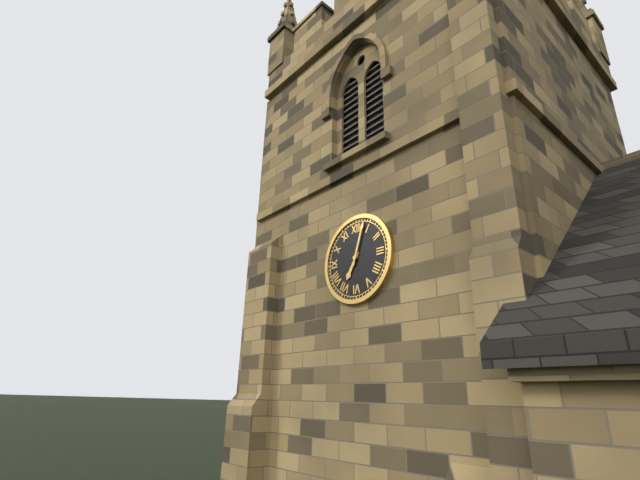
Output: **7:03**
